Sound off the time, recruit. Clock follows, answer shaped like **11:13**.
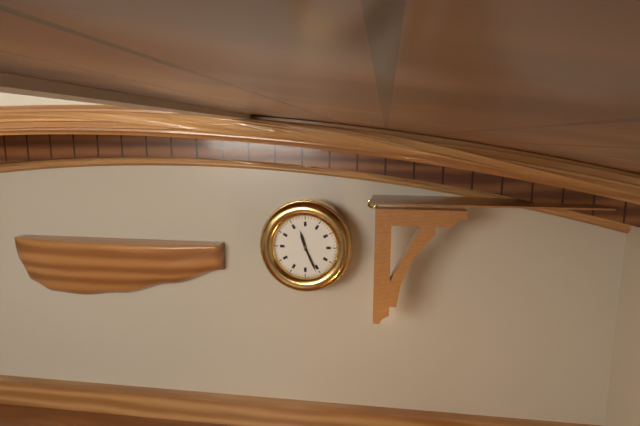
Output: **11:26**
